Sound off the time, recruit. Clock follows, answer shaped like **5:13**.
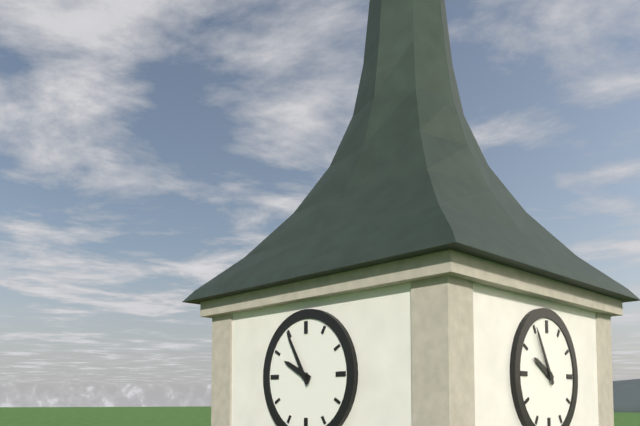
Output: **9:55**
